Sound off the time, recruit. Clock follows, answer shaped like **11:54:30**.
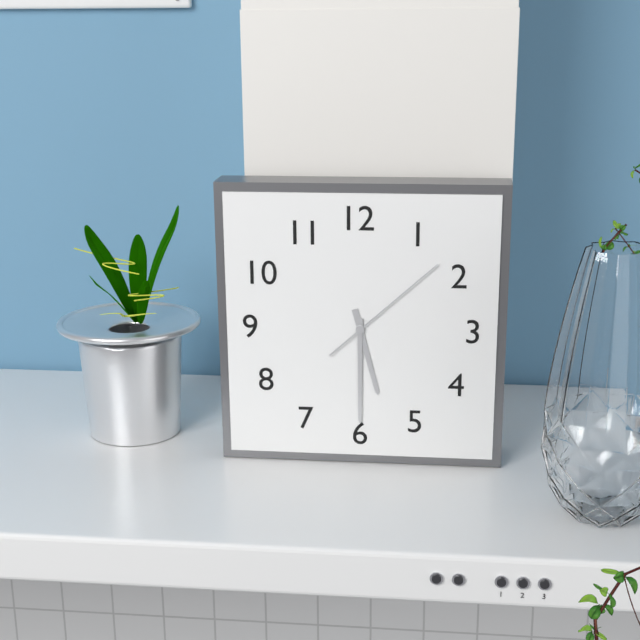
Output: **5:30:08**
